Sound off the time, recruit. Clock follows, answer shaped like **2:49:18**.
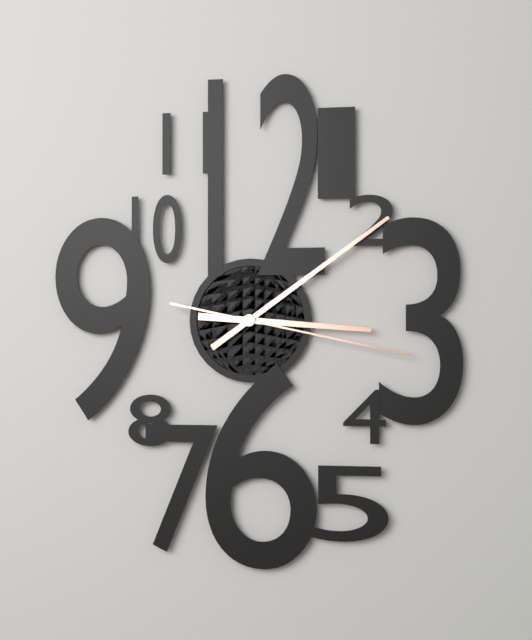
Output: **3:09:17**
